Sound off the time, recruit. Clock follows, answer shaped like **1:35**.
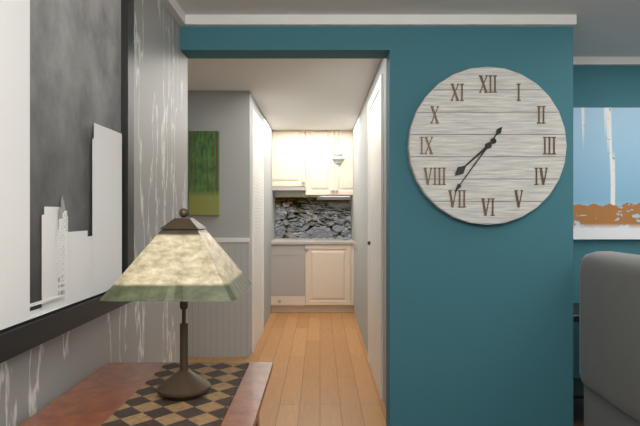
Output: **7:36**
